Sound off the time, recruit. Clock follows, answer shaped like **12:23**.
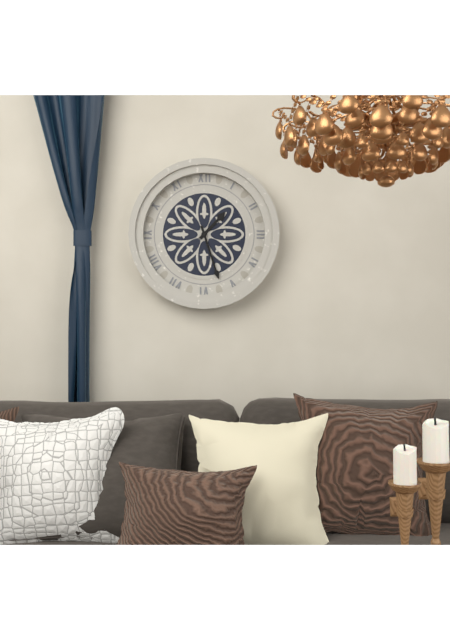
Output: **1:27**
